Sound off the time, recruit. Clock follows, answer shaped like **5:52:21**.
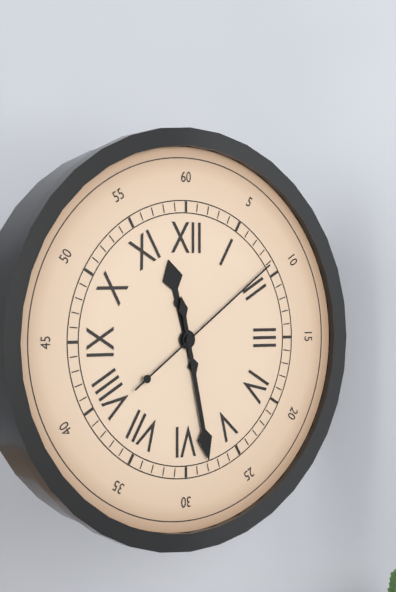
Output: **11:28:09**
